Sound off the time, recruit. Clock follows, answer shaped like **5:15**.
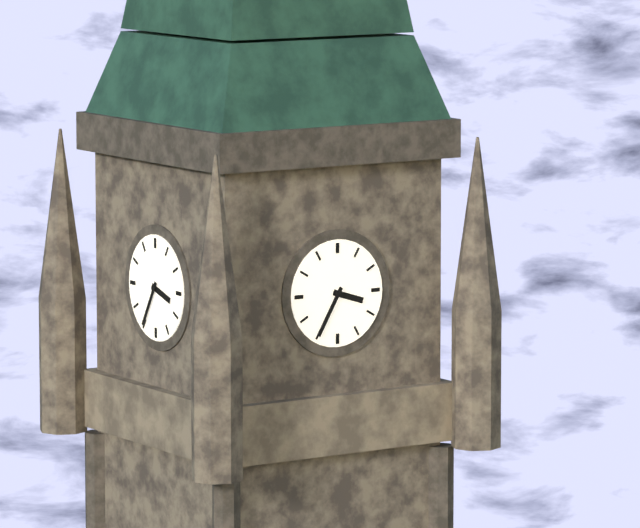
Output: **3:35**
